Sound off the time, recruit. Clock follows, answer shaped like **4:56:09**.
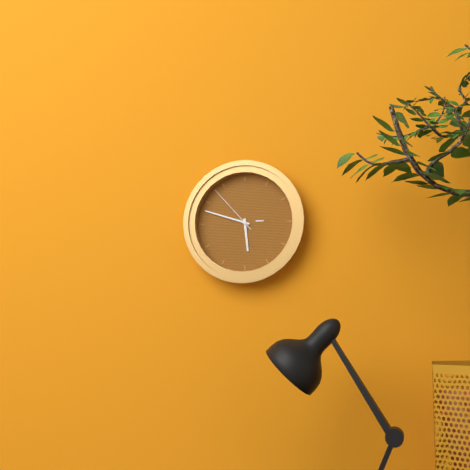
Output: **5:48:53**
